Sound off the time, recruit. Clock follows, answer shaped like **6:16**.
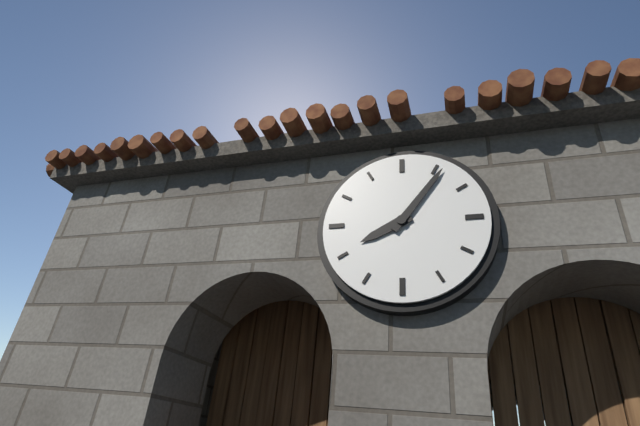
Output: **8:06**
